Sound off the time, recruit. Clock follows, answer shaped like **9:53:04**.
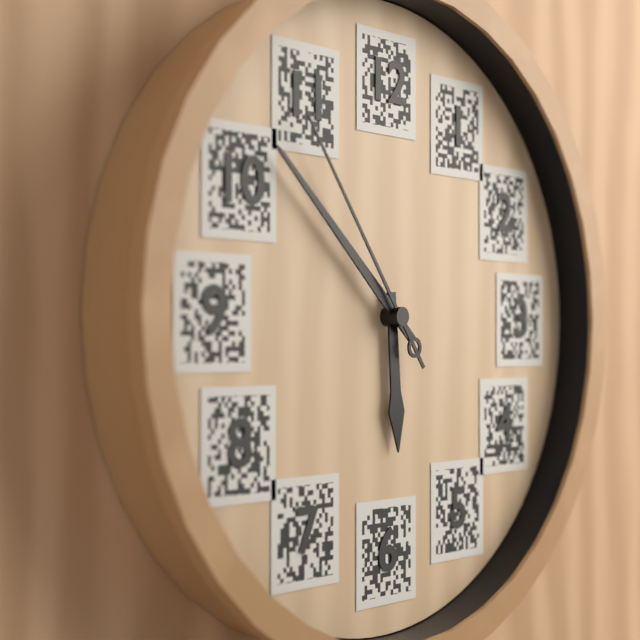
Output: **5:52:54**
